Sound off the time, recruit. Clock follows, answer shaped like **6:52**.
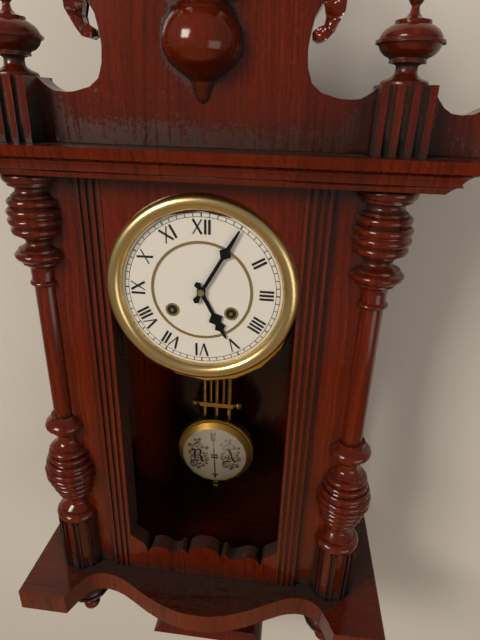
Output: **5:05**
